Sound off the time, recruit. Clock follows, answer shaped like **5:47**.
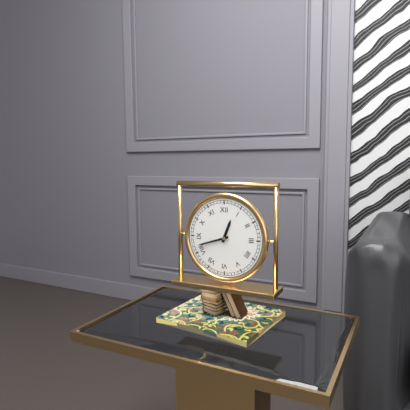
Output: **12:42**
